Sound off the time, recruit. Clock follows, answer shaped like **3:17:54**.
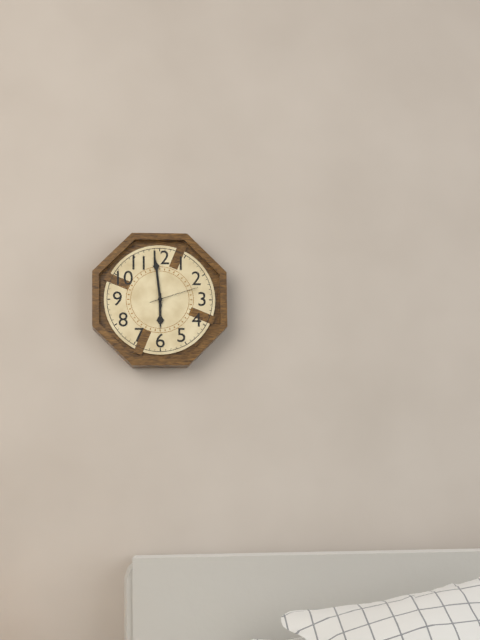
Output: **5:59:12**
